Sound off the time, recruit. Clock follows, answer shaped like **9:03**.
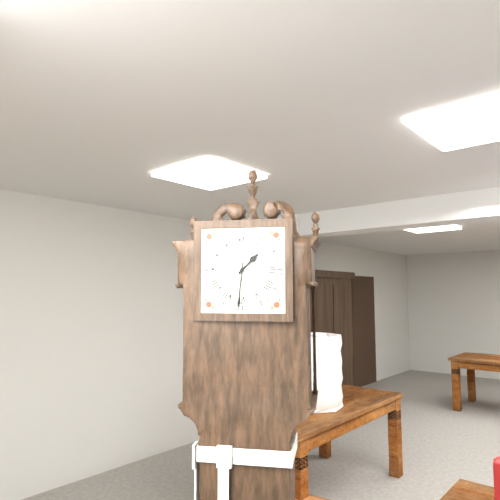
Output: **1:31**
